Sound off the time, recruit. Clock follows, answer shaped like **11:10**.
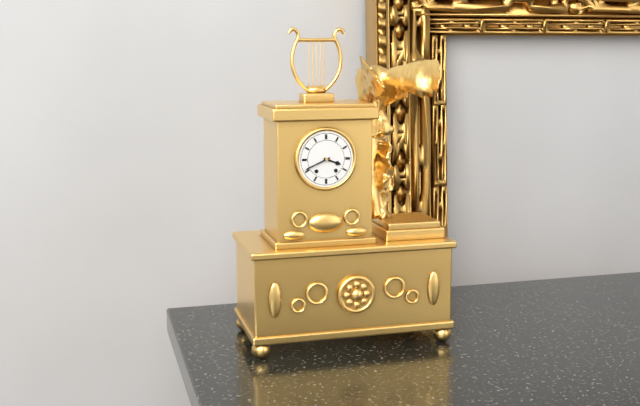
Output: **3:41**
